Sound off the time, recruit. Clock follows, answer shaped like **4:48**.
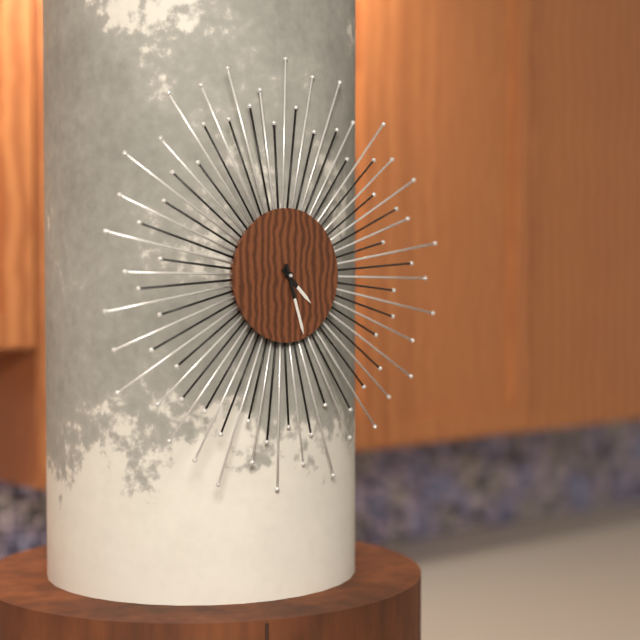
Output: **4:27**
